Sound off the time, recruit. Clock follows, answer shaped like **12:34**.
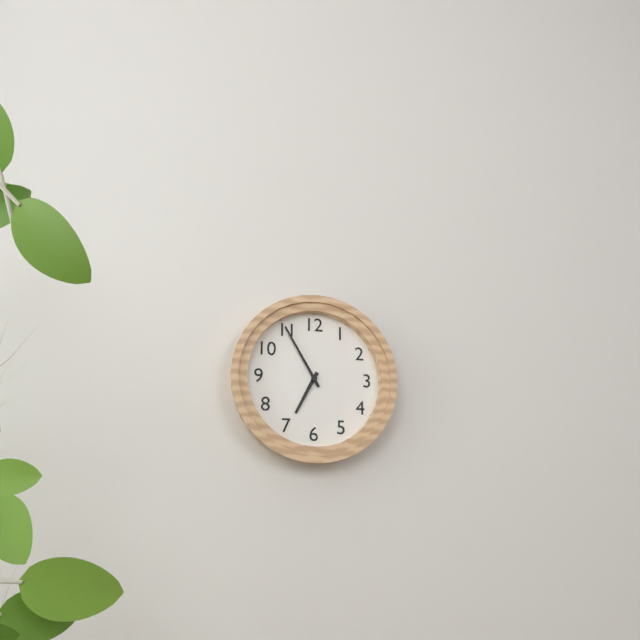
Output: **6:55**
